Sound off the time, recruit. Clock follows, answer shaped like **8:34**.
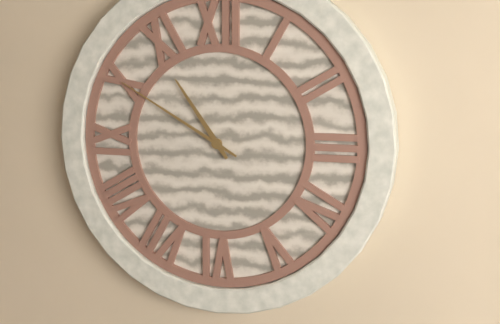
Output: **10:50**
